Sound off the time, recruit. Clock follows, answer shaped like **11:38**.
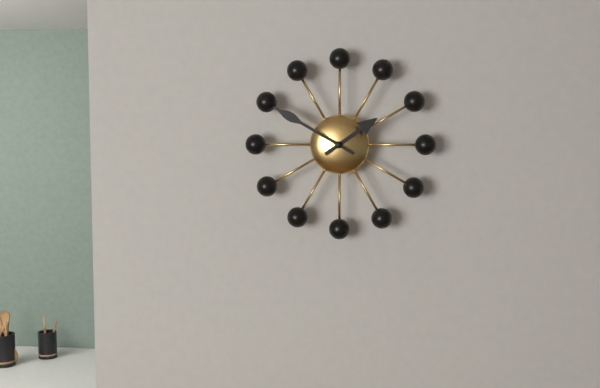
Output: **1:50**
